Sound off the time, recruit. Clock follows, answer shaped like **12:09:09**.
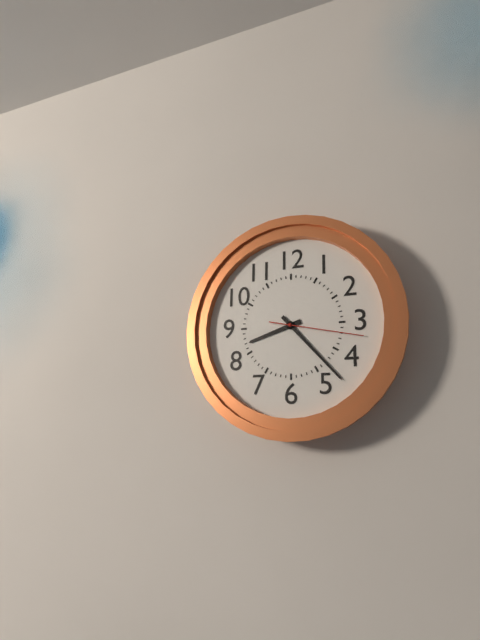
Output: **8:23:17**
